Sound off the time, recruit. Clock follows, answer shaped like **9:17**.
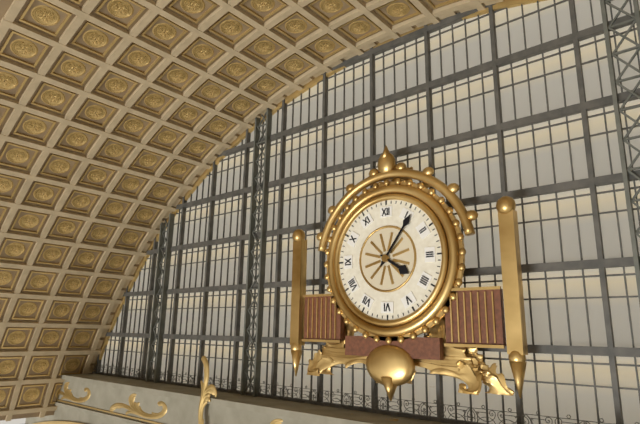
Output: **4:06**
